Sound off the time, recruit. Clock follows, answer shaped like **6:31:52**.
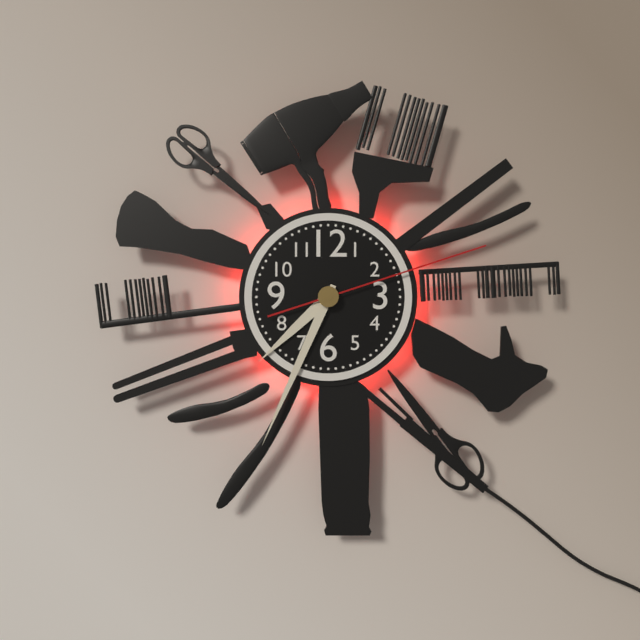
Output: **7:34:12**
